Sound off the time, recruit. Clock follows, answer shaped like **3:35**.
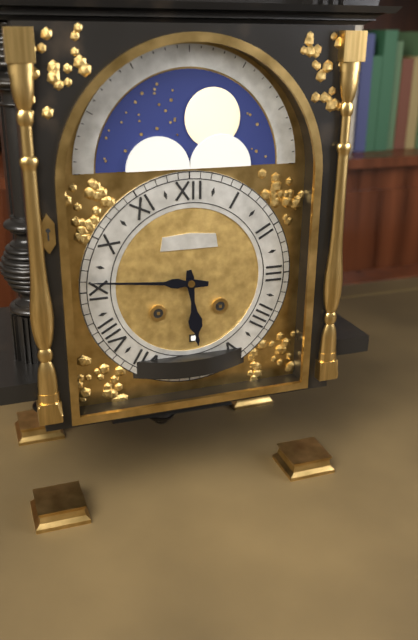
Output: **5:46**
